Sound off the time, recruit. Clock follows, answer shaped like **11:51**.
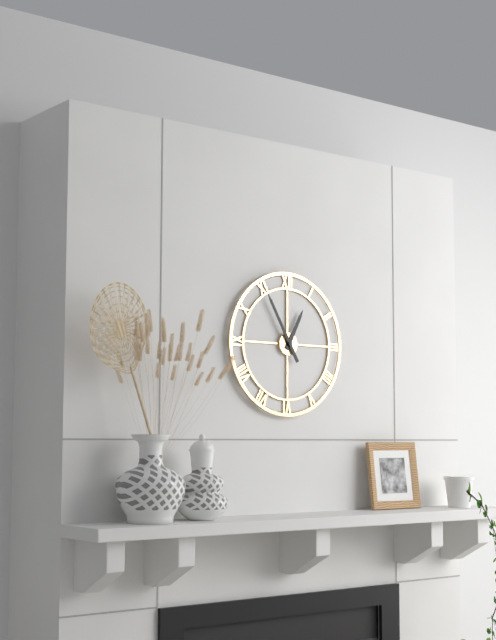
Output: **12:55**
